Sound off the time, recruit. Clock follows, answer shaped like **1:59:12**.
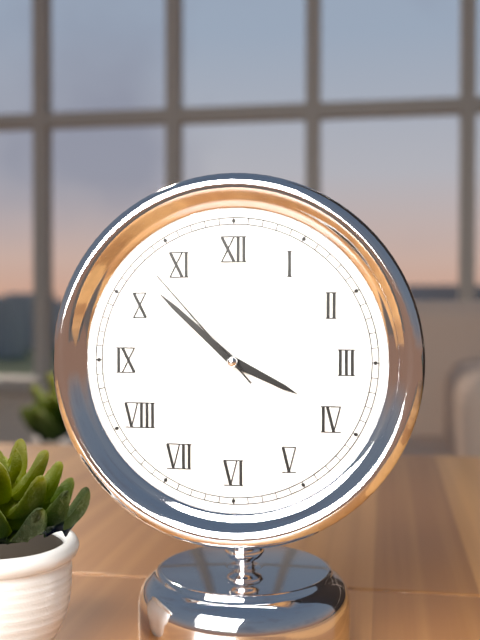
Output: **3:52:53**
